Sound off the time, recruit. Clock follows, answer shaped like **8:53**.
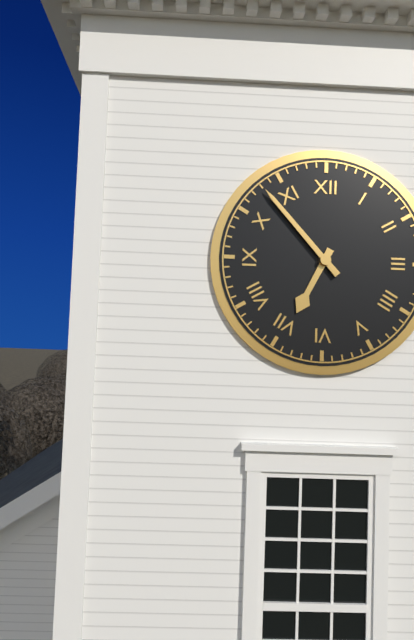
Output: **6:53**
